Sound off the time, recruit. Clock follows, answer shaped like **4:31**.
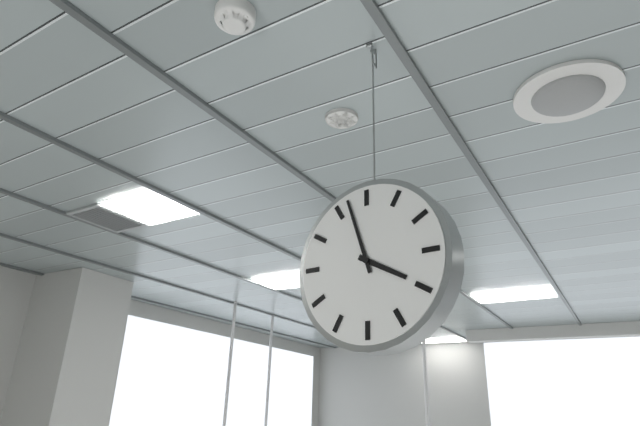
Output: **3:57**
